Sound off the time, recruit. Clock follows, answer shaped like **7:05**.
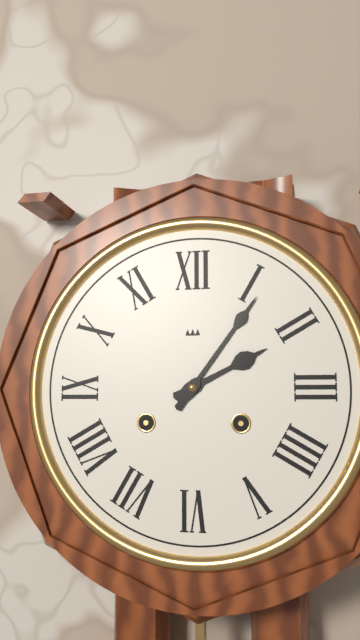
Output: **2:06**
